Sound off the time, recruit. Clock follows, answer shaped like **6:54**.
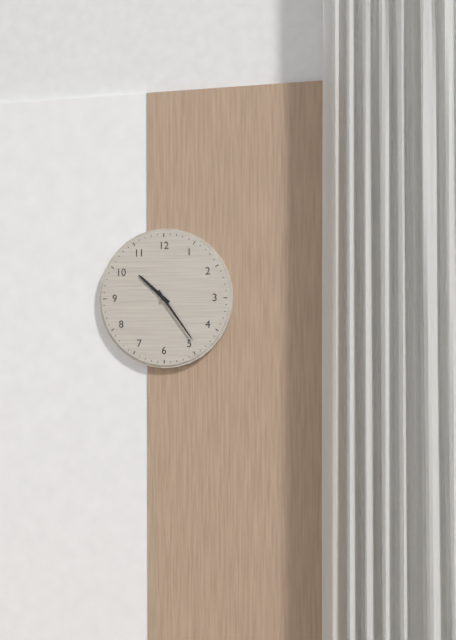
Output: **10:24**
